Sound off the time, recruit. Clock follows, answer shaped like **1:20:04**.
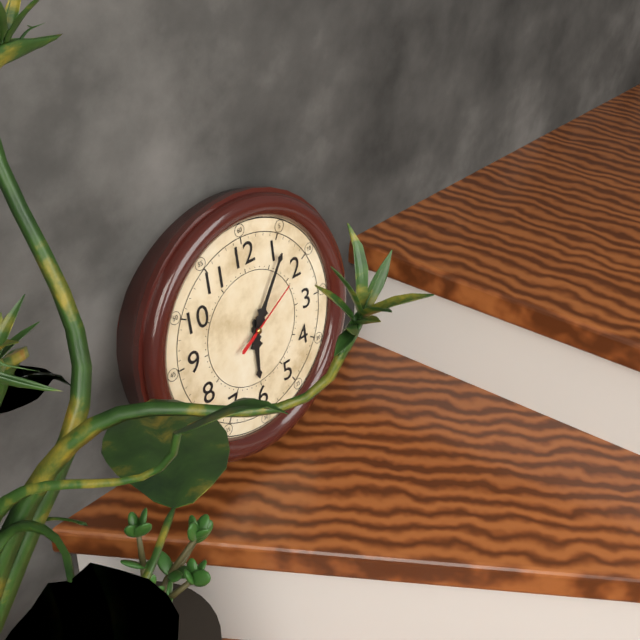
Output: **6:06:10**
